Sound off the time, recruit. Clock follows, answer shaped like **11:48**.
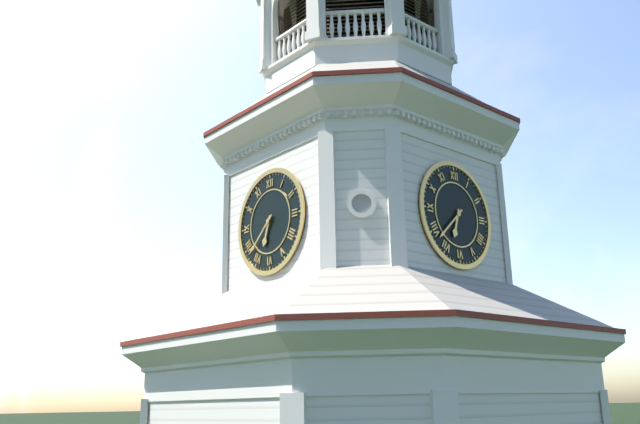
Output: **6:38**
